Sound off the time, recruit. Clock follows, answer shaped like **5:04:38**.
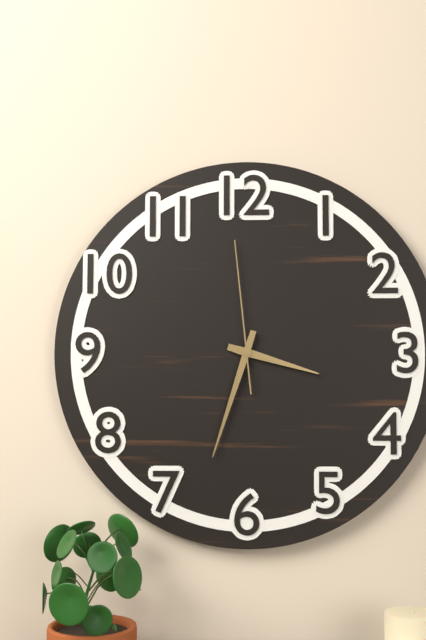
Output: **3:33:59**
